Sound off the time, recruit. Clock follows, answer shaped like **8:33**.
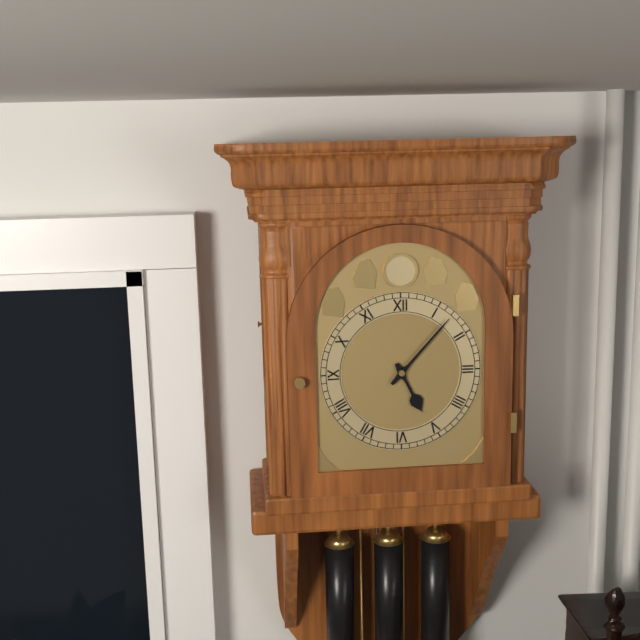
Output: **5:07**
